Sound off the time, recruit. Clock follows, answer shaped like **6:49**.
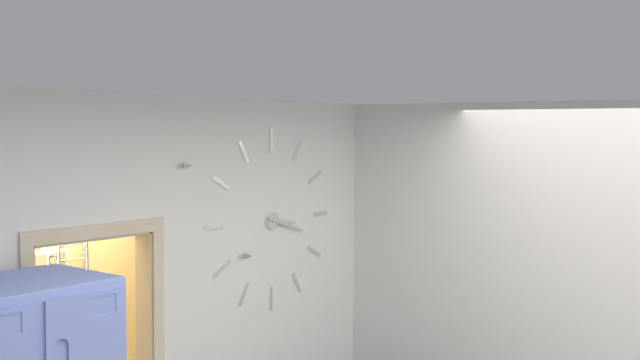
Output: **3:18**
